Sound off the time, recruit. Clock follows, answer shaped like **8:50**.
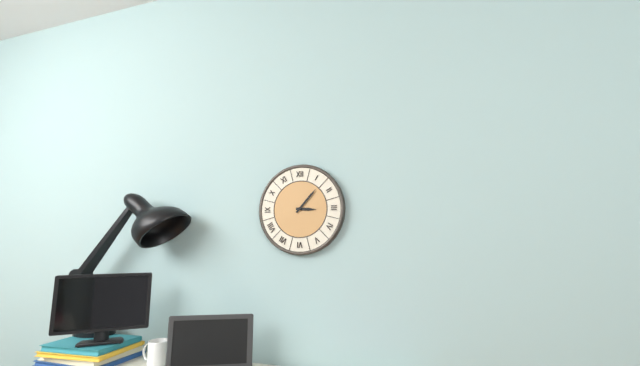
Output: **3:07**
